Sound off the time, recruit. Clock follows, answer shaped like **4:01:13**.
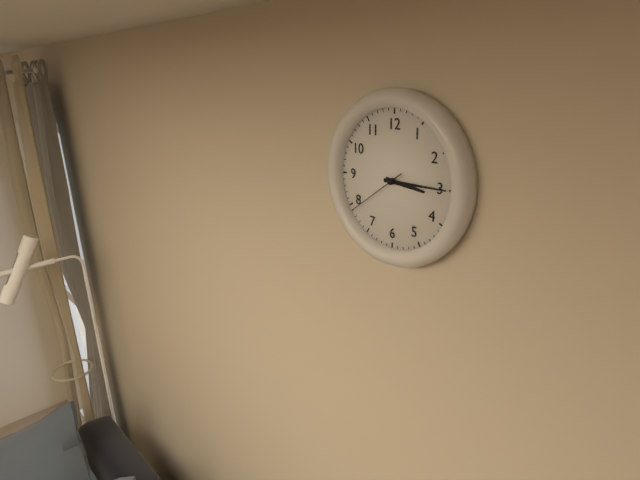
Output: **3:15:39**
